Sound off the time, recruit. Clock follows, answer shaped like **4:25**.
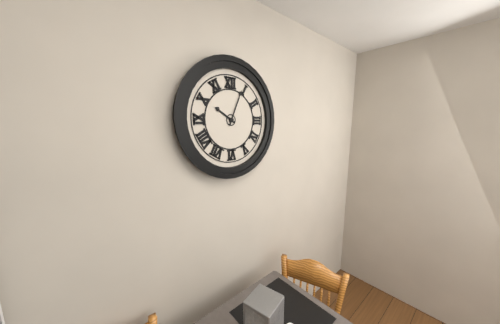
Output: **10:04**
